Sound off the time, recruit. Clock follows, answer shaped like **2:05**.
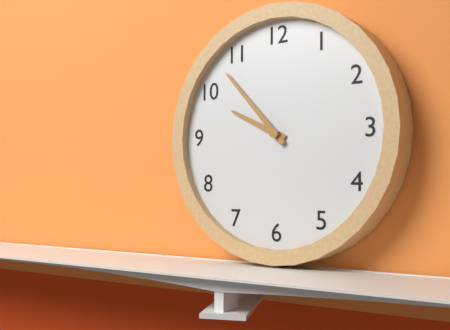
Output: **9:53**
